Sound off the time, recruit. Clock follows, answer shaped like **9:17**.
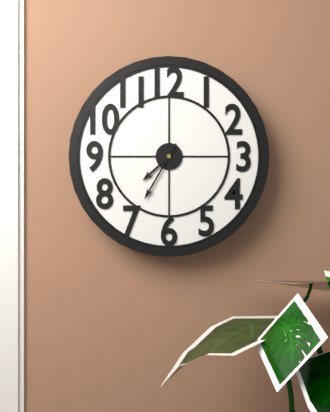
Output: **7:35**
